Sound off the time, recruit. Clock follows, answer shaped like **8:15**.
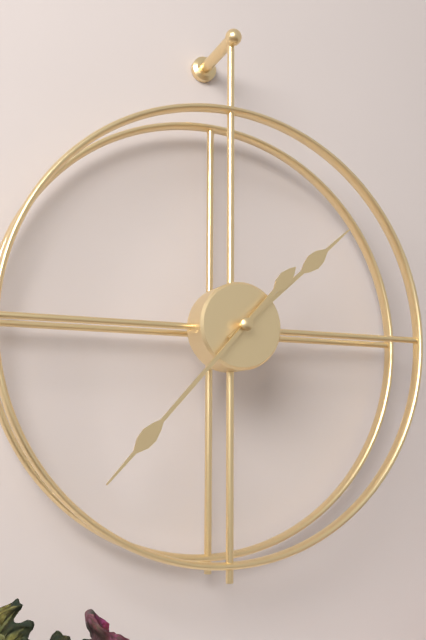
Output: **1:37**
